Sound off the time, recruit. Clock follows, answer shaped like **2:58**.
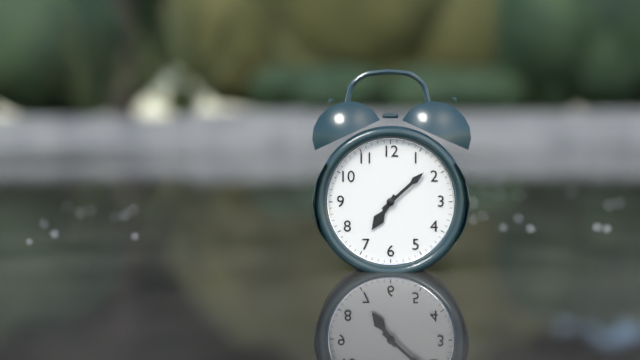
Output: **7:08**
